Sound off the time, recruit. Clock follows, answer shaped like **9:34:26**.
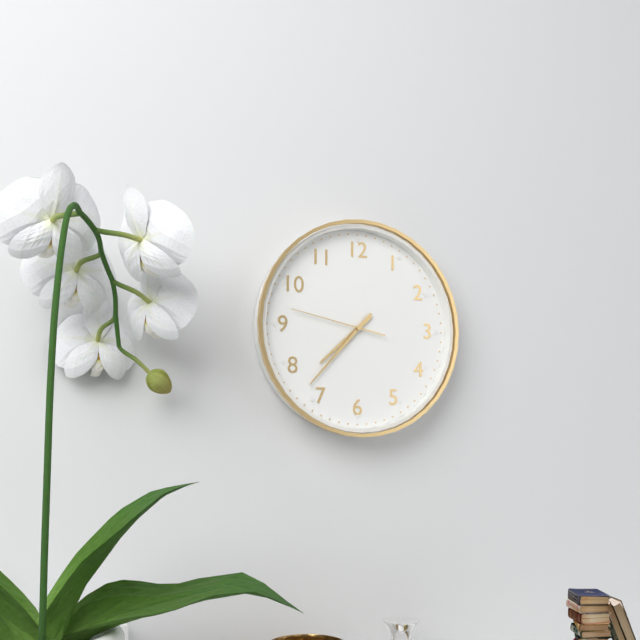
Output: **7:37:47**
